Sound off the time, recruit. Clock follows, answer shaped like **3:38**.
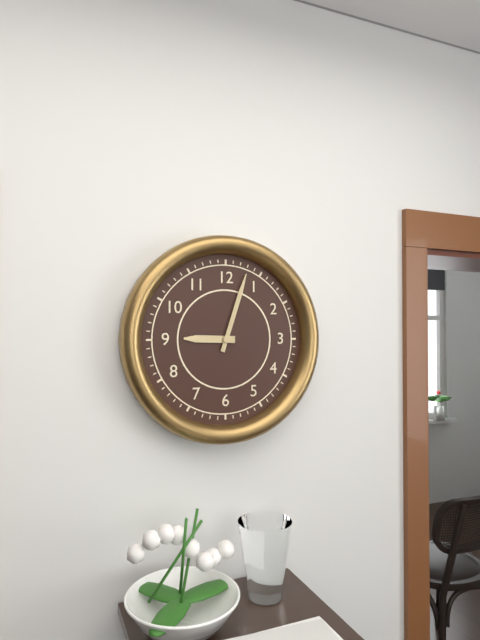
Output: **9:03**
